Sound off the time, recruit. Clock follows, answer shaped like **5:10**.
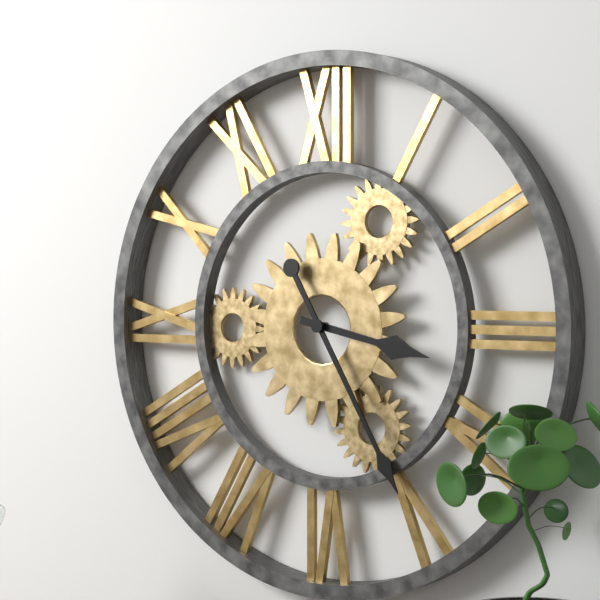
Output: **3:25**
